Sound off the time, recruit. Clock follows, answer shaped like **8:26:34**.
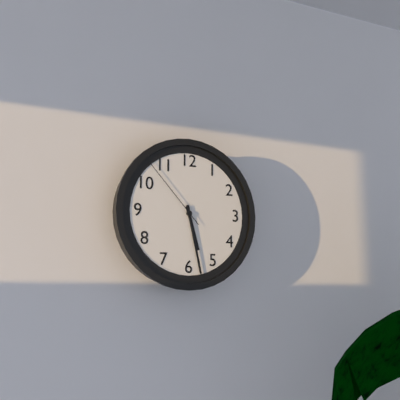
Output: **5:28:53**
